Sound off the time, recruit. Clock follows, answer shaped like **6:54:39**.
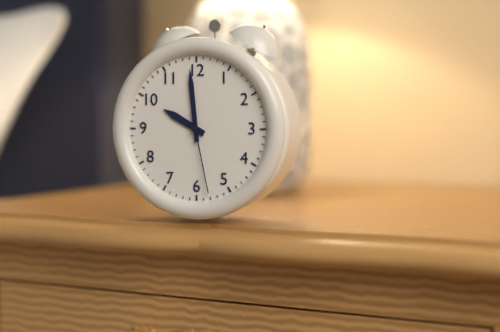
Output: **9:59:28**
